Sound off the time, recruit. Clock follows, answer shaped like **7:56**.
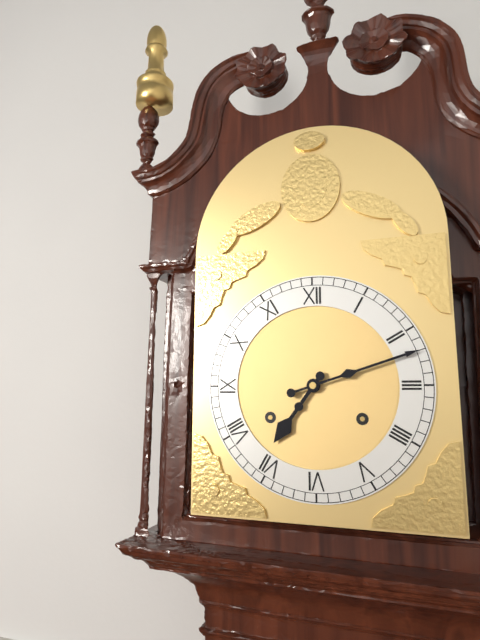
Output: **7:12**
